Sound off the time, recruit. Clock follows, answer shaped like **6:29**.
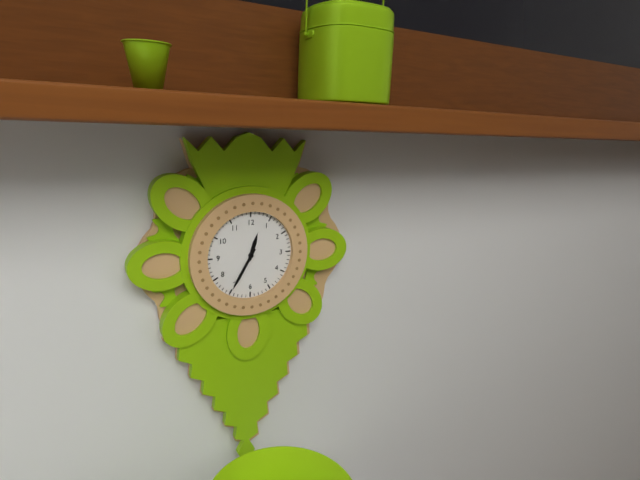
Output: **12:35**
